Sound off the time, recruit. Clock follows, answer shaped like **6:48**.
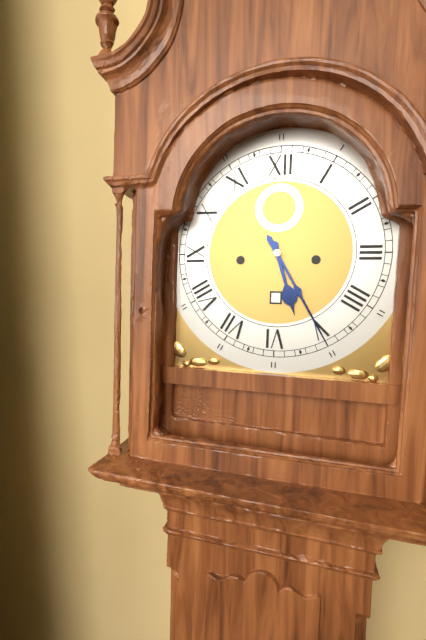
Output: **5:25**
